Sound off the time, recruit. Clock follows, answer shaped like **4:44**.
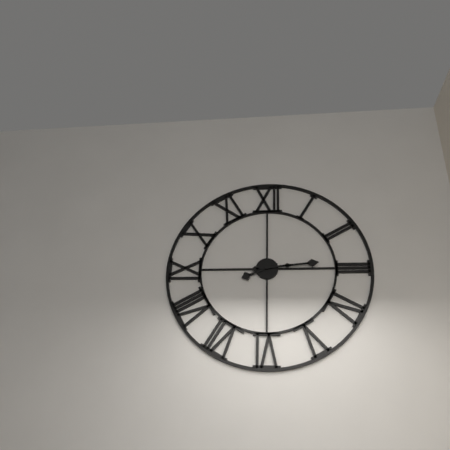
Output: **8:14**
